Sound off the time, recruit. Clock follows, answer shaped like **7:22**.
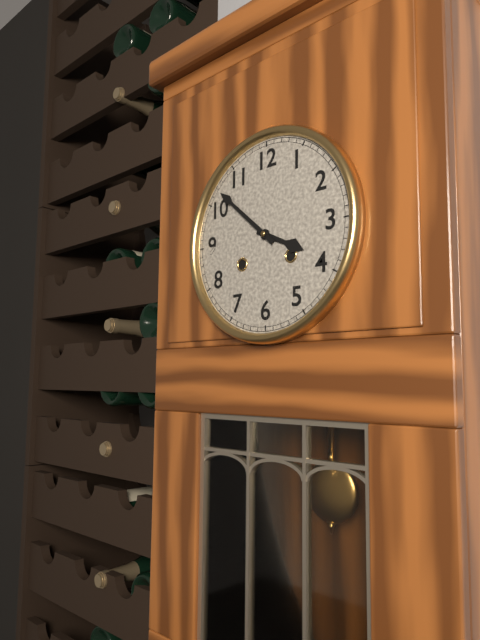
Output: **3:52**
